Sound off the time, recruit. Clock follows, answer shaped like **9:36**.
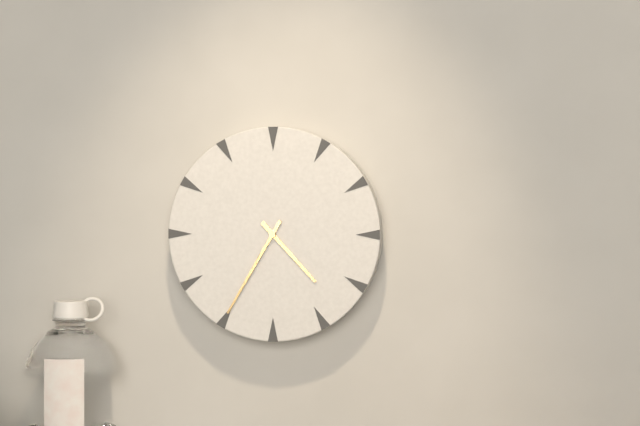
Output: **4:35**
